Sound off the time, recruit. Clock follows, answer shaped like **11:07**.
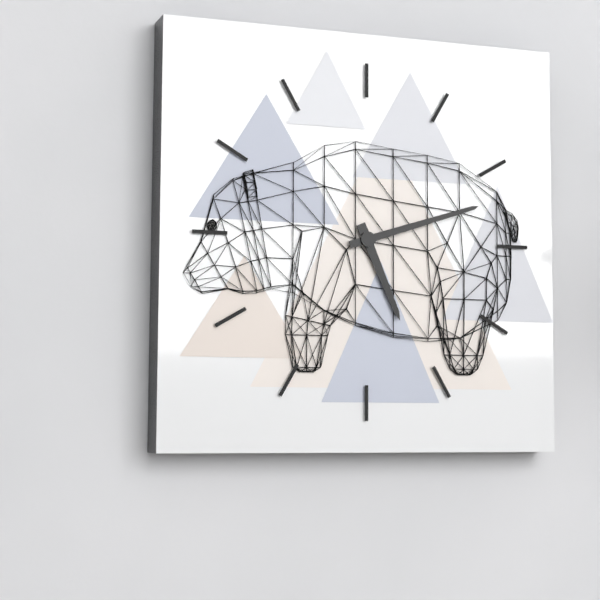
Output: **5:12**
